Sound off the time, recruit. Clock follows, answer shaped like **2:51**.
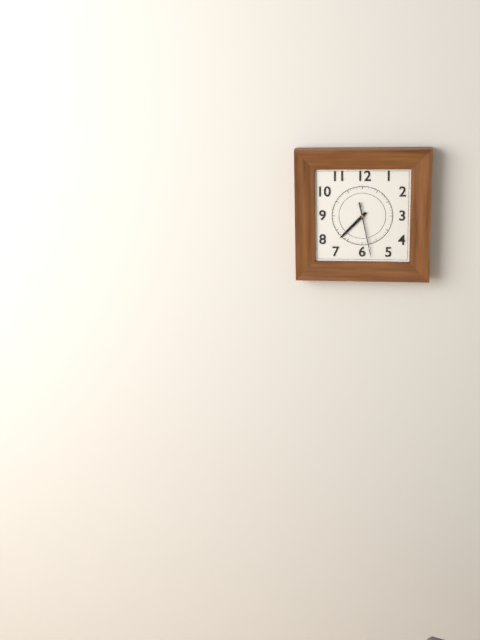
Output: **7:28**
